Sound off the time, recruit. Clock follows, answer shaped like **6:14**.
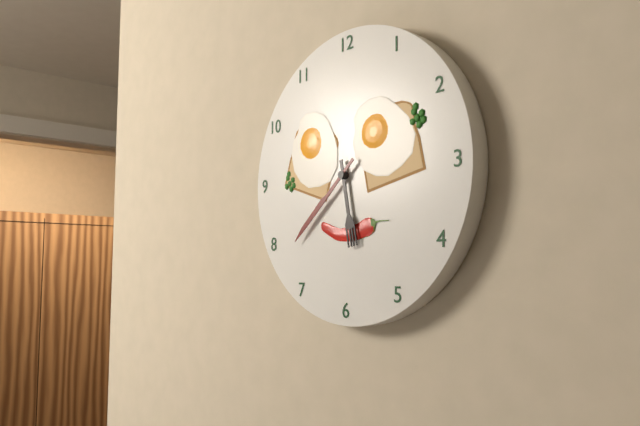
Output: **5:38**
